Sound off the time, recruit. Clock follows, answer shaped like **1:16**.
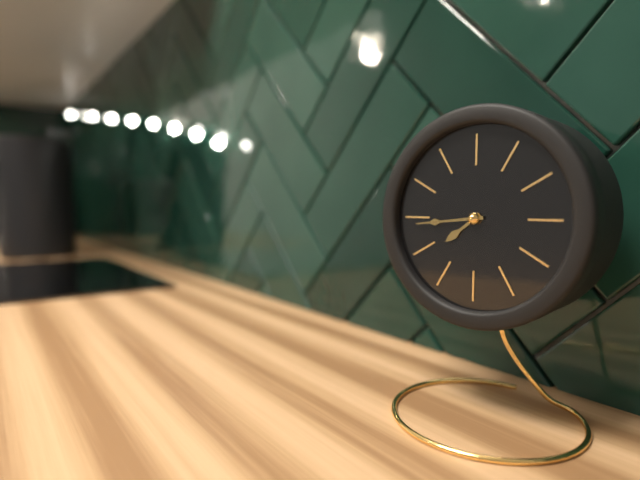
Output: **7:44**
